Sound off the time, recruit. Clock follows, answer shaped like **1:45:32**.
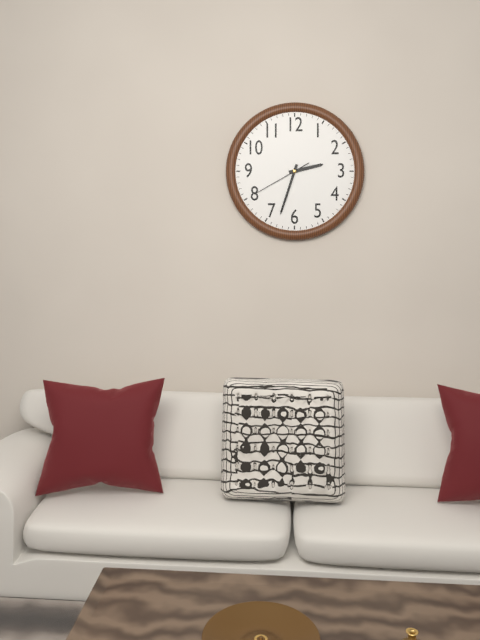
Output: **2:33:40**
